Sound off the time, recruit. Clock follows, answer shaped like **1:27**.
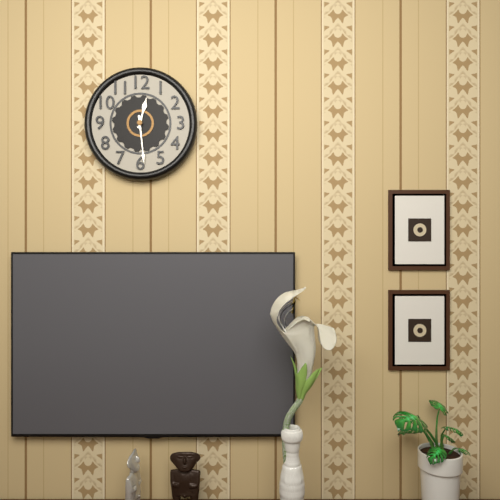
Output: **12:29**
